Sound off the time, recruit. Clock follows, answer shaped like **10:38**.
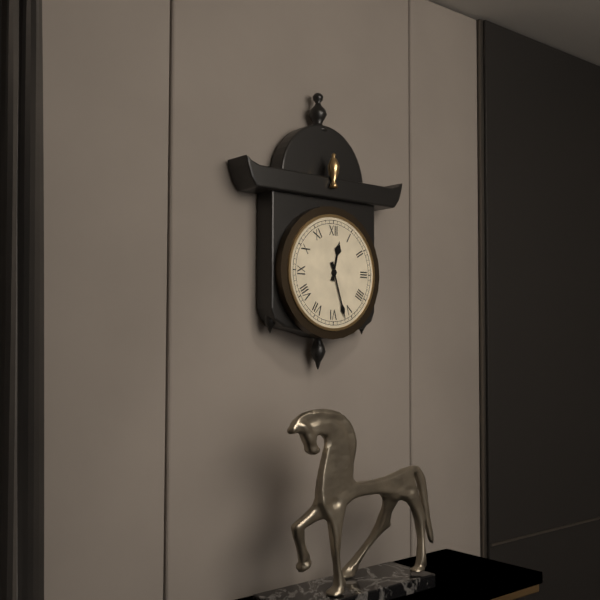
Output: **12:27**
